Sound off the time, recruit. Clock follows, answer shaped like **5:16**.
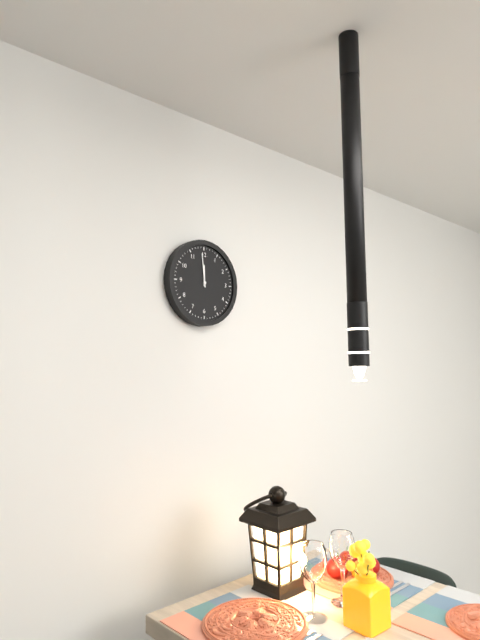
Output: **11:59**
